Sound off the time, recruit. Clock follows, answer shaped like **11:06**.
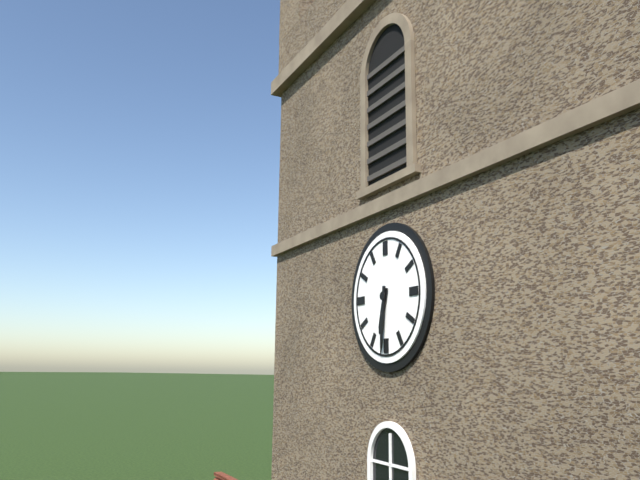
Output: **6:31**
